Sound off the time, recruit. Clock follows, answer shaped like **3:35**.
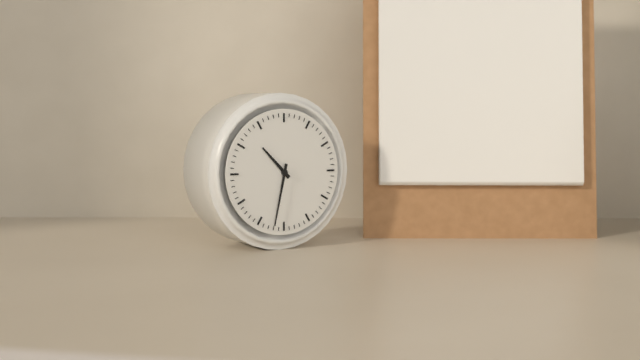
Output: **10:32**
